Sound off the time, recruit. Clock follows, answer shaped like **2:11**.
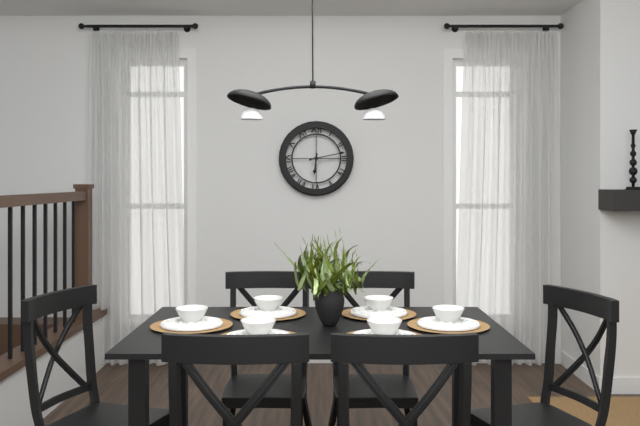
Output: **6:13**
